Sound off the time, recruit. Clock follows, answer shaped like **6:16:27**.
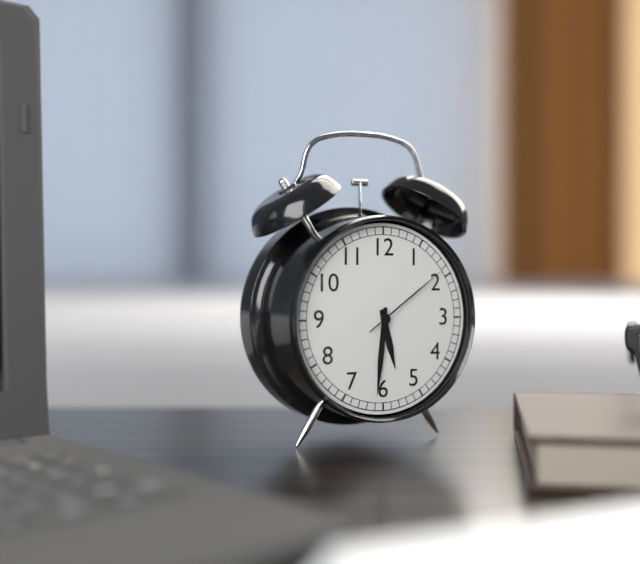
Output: **5:31:09**
